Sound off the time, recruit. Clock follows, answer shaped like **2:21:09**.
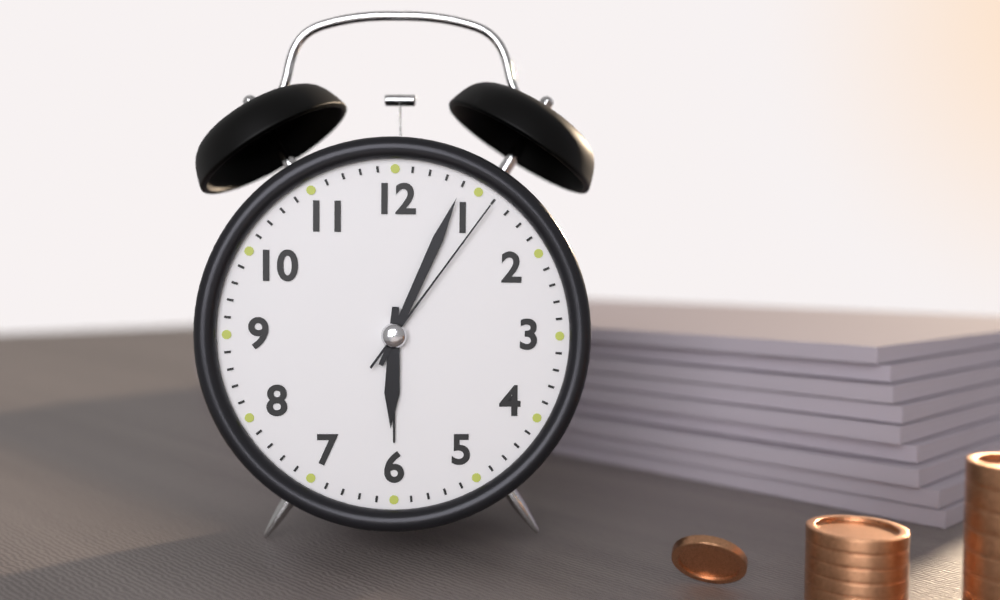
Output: **6:04:06**
